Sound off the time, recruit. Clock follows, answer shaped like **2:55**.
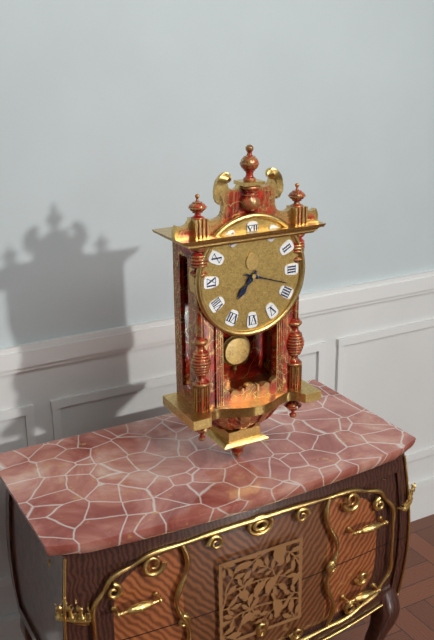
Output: **7:18**
